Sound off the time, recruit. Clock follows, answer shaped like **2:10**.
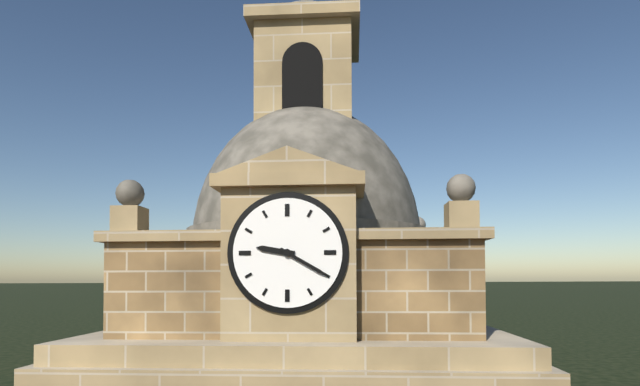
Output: **9:20**
